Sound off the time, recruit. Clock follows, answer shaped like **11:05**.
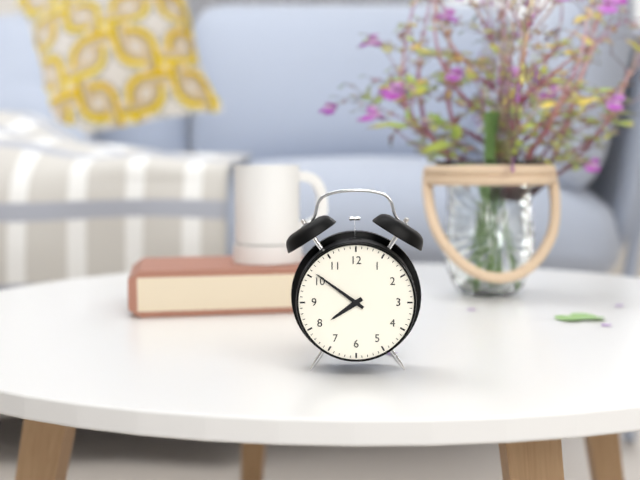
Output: **7:51**
